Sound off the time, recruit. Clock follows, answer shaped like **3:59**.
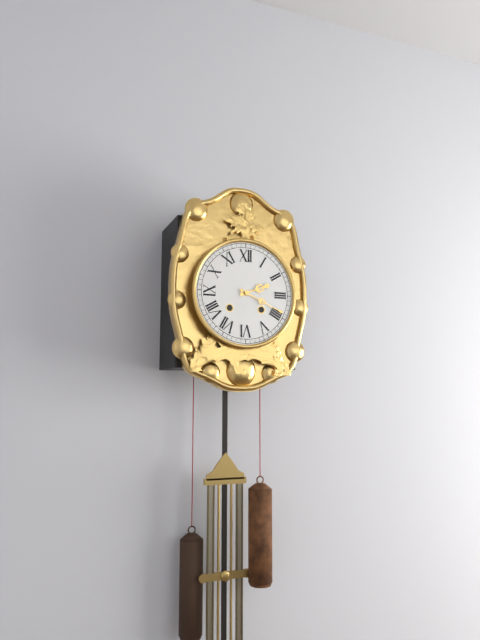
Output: **2:19**
